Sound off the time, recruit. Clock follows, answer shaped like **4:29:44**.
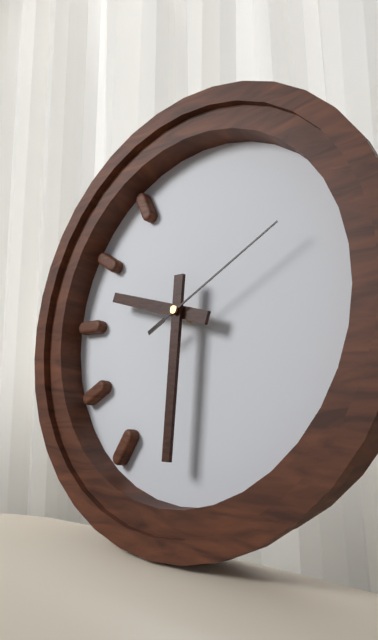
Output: **9:30:10**
